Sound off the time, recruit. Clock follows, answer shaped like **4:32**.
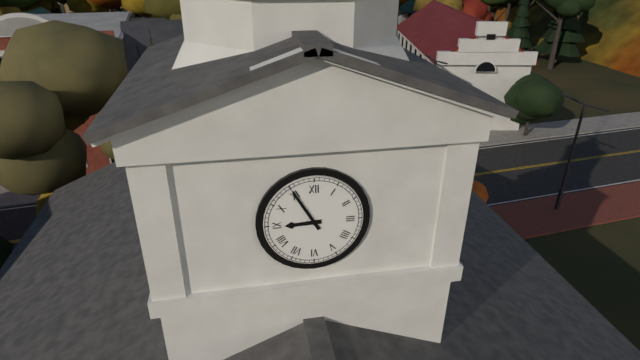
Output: **8:55**
